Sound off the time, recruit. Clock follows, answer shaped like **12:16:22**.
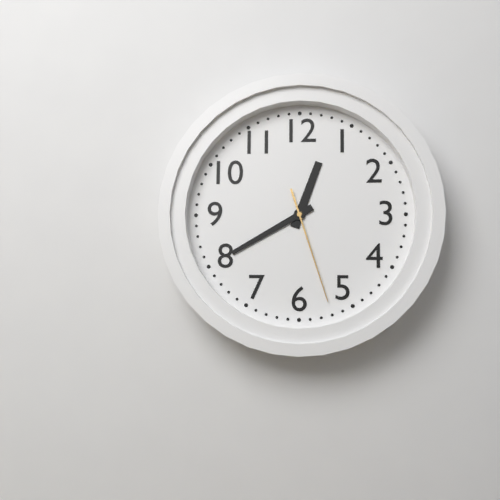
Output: **12:40:27**
